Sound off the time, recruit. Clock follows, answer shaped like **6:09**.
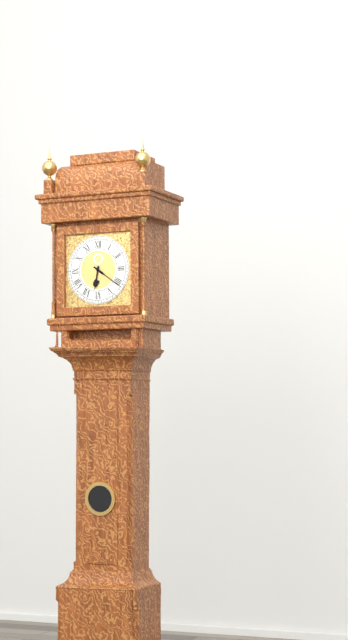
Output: **6:21**
